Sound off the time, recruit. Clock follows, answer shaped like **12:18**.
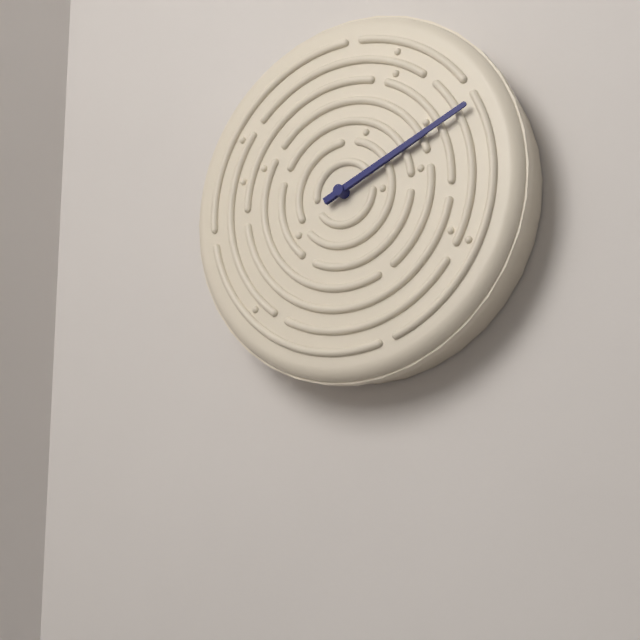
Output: **2:11**
